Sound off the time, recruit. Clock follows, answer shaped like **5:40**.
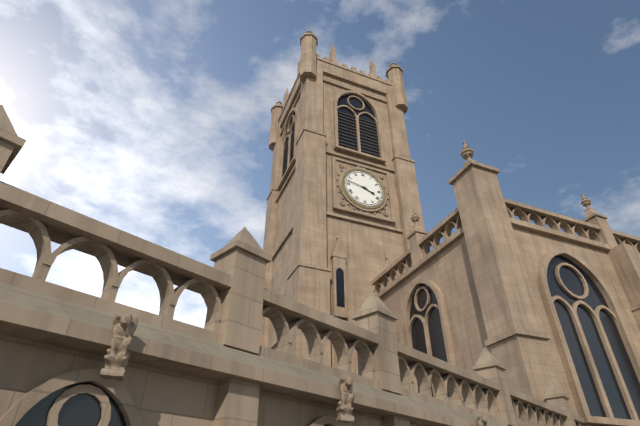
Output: **3:47**
